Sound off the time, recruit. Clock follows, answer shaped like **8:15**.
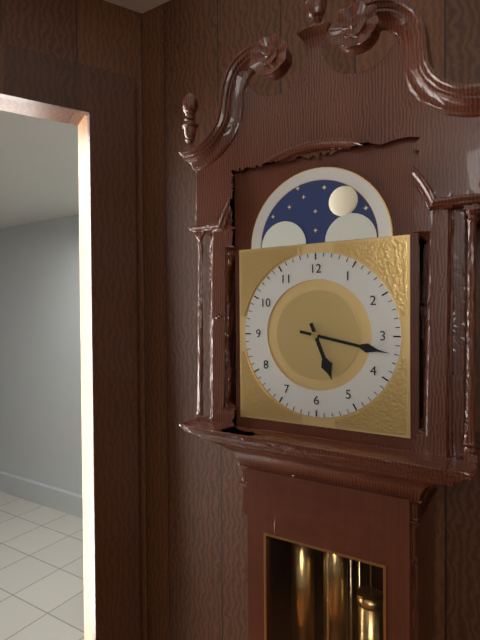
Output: **5:17**
